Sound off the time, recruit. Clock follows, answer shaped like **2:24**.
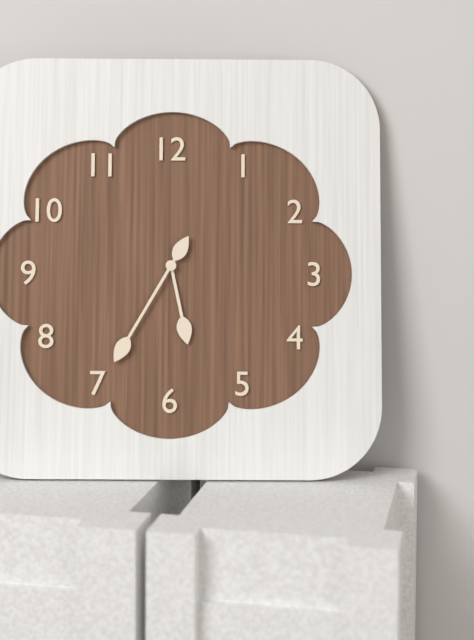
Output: **5:35**
